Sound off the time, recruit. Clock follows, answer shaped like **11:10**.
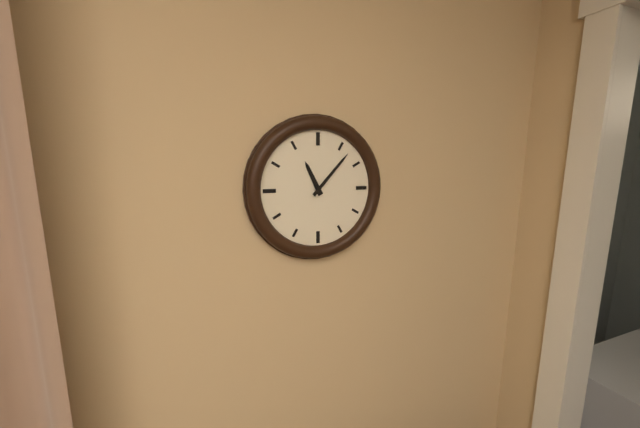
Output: **11:07**
